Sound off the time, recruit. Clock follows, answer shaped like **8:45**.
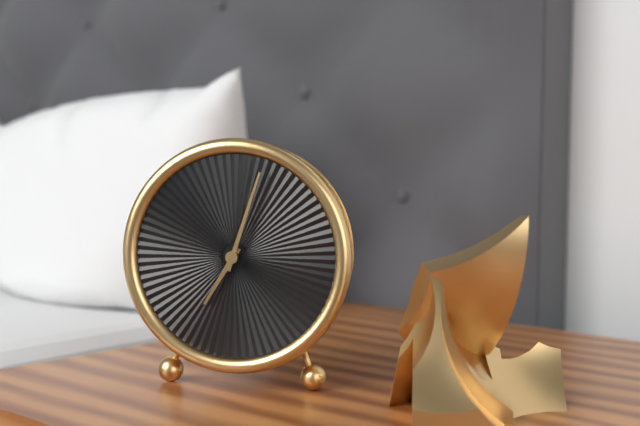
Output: **7:03**
